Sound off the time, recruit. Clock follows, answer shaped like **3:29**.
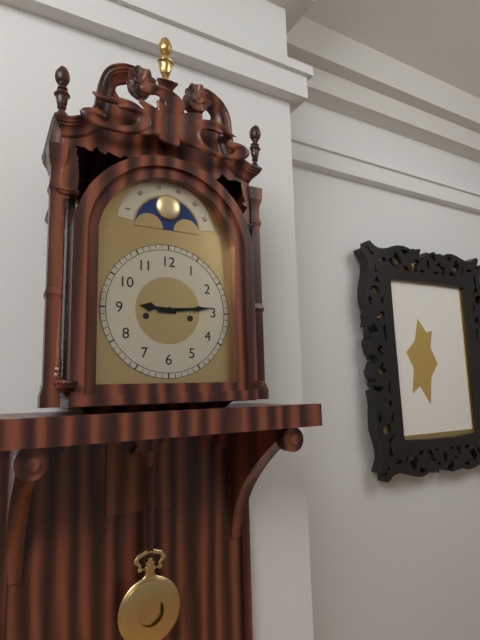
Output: **9:14**
